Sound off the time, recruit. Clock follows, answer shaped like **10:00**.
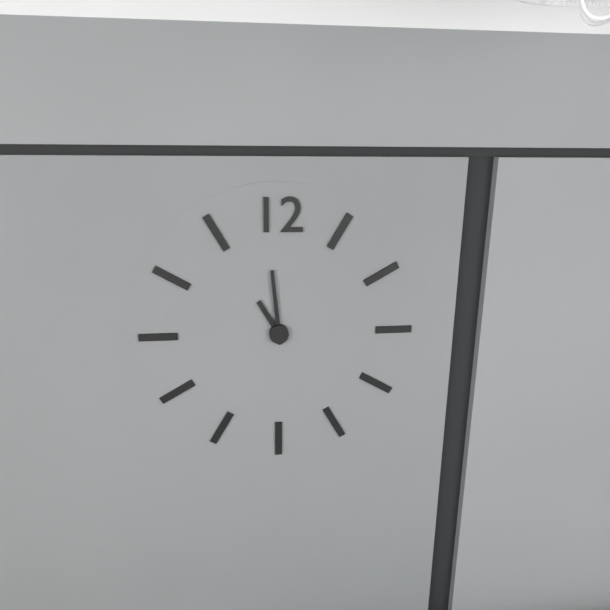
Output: **10:59**
